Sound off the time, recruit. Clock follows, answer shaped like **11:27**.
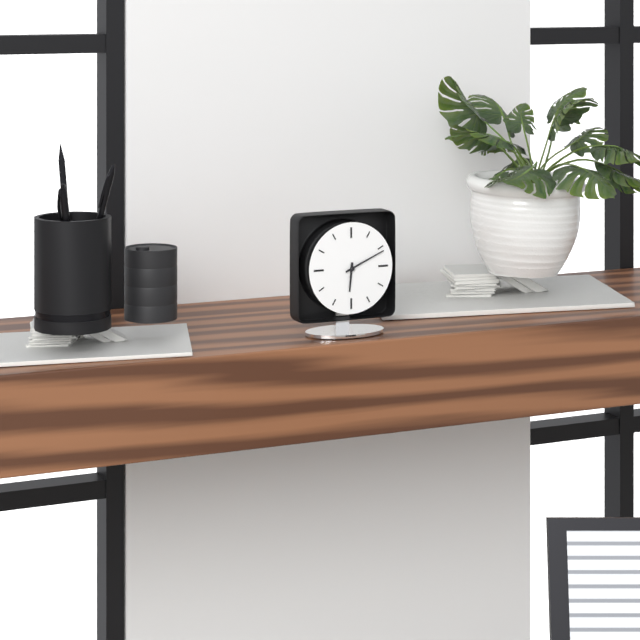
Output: **6:11**
